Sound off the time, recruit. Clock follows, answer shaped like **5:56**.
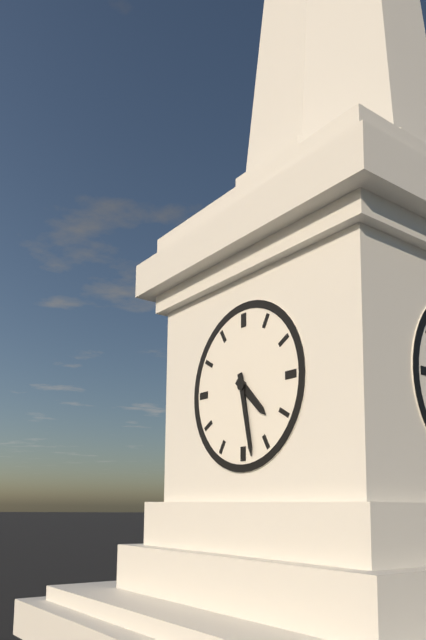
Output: **4:28**
